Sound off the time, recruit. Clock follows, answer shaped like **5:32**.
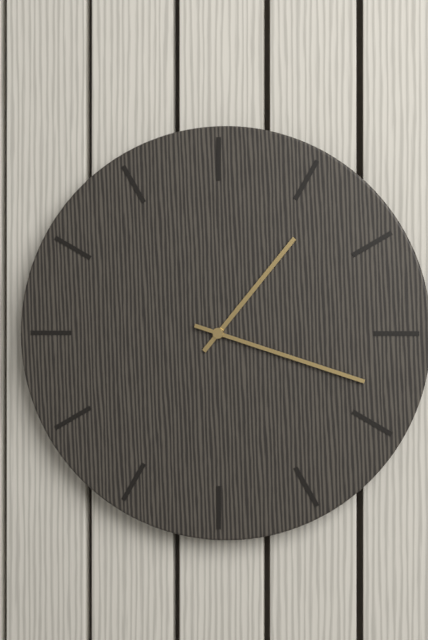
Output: **1:18**
